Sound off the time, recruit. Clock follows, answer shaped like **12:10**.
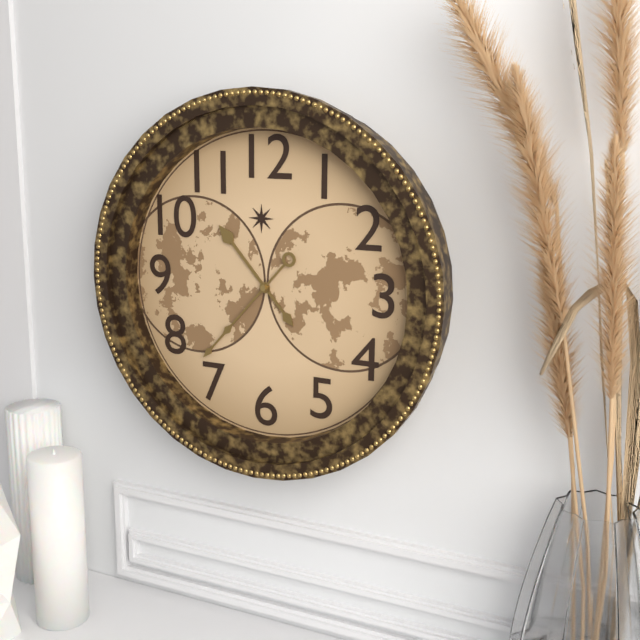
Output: **10:37**
